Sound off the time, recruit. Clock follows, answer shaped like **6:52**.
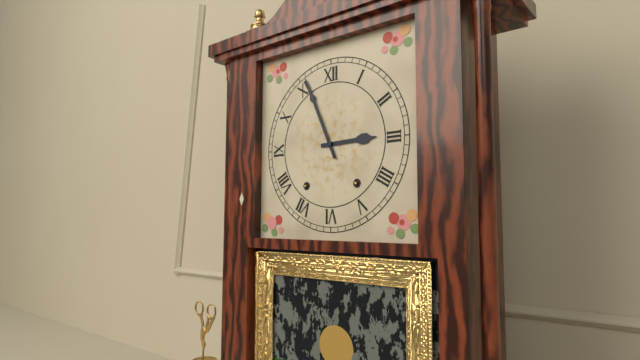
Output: **2:56**
